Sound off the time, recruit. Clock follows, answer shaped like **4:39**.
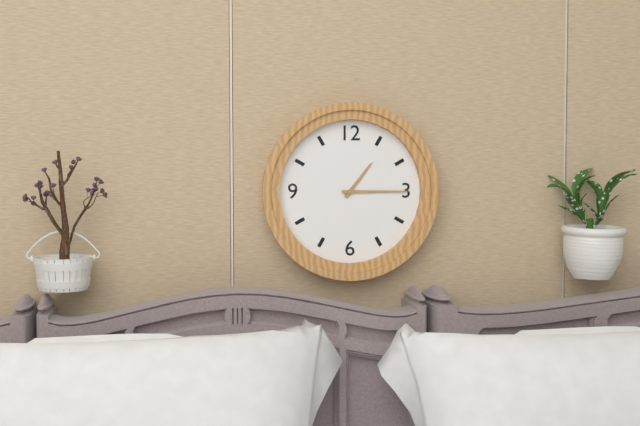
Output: **1:15**
